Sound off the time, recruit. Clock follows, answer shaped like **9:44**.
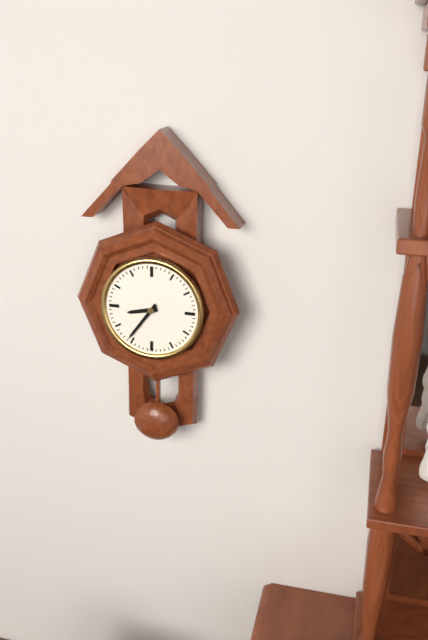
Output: **8:36**
